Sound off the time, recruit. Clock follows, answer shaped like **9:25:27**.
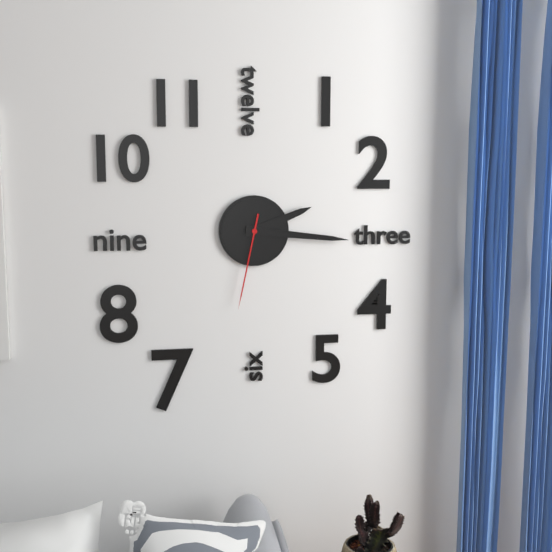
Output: **2:16:32**
